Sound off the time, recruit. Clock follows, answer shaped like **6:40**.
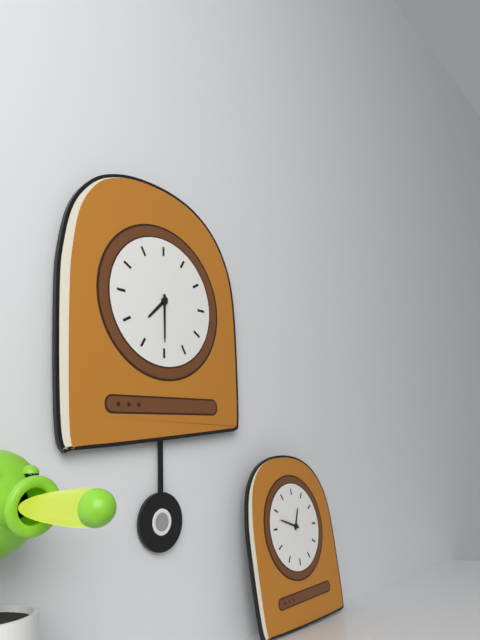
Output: **7:30**
